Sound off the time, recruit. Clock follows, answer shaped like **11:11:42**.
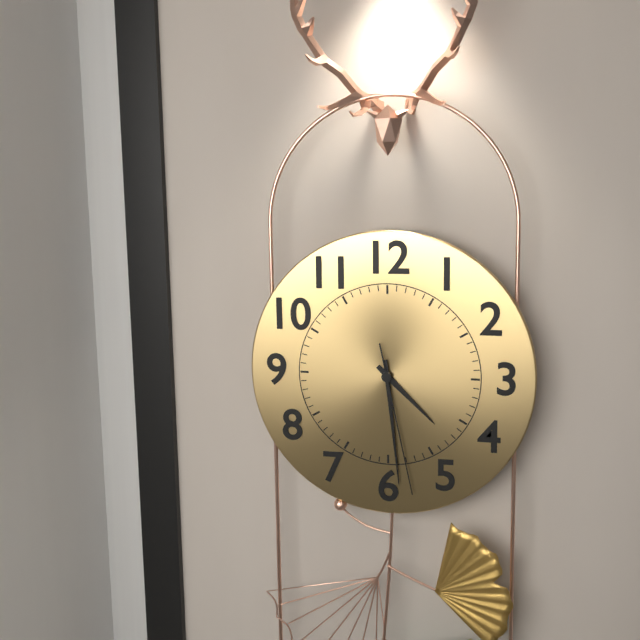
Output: **4:29:28**
